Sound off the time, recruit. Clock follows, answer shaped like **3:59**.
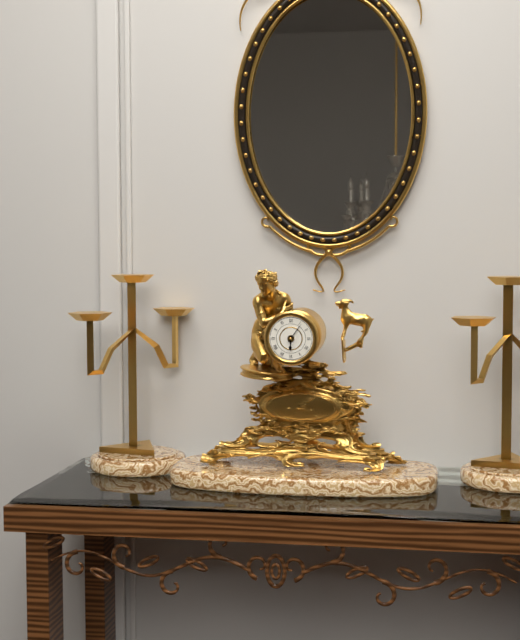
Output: **6:06**
